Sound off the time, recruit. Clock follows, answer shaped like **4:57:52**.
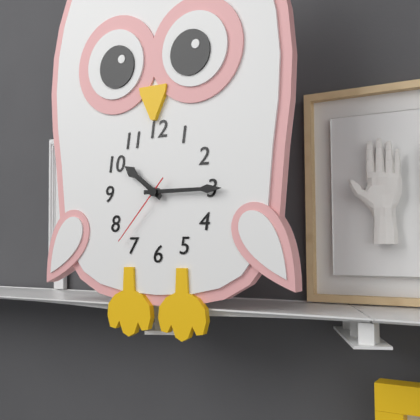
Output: **10:15:37**
